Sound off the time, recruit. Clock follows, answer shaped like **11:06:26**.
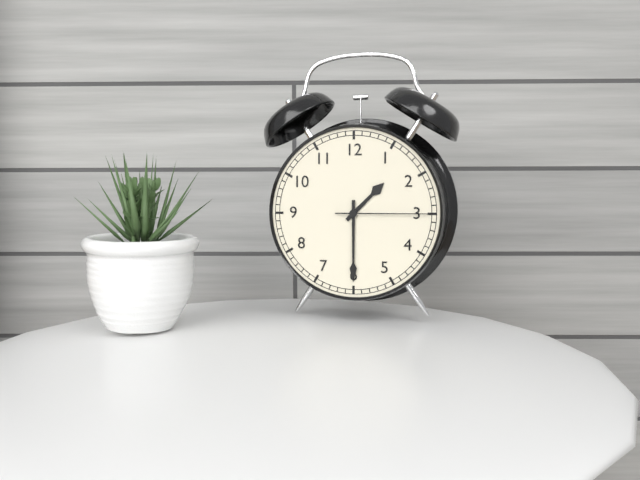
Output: **1:30:15**
